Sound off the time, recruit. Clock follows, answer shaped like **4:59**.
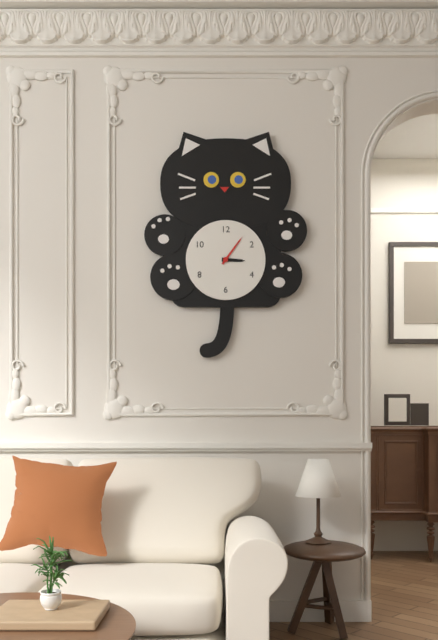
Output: **3:06**
